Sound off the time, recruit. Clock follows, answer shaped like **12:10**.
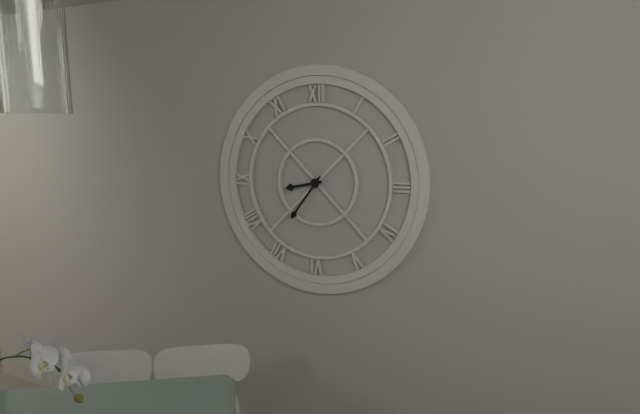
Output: **8:36**
